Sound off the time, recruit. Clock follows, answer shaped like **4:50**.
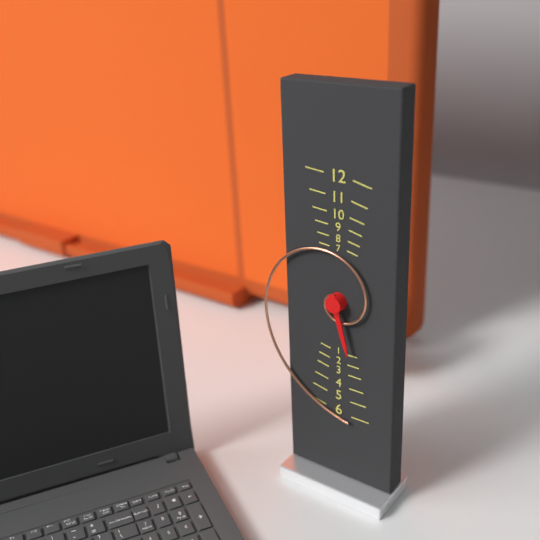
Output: **5:29**
